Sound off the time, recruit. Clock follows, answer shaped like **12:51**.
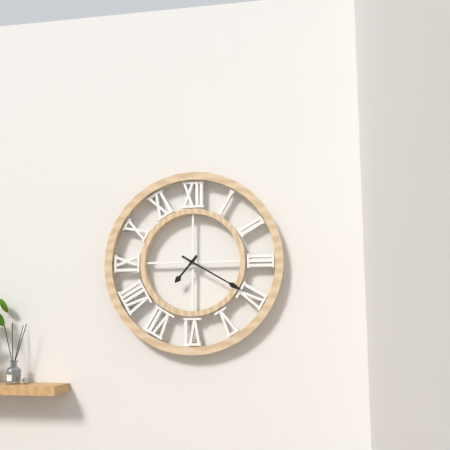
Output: **7:20**
